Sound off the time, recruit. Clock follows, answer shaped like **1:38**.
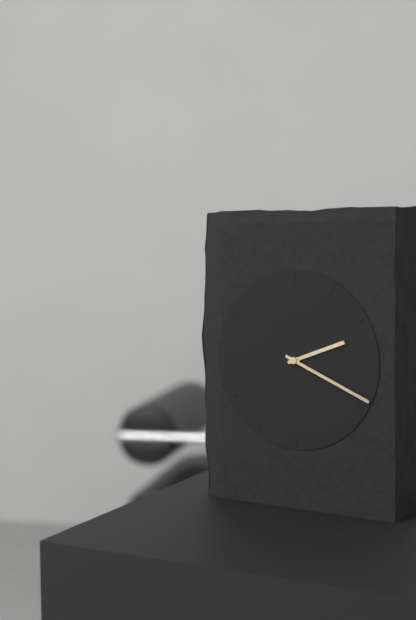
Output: **2:19**
